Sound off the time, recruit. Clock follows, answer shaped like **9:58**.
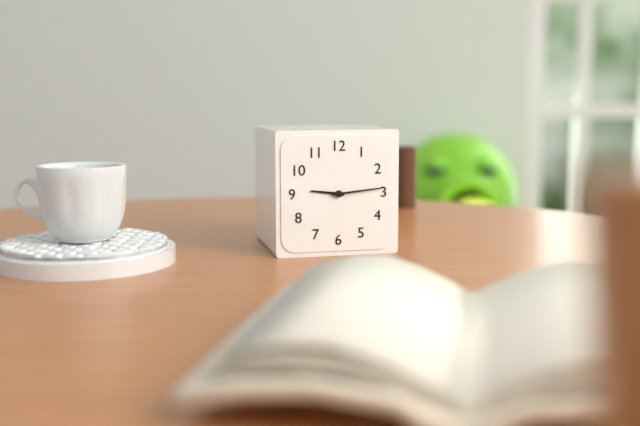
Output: **9:14**
